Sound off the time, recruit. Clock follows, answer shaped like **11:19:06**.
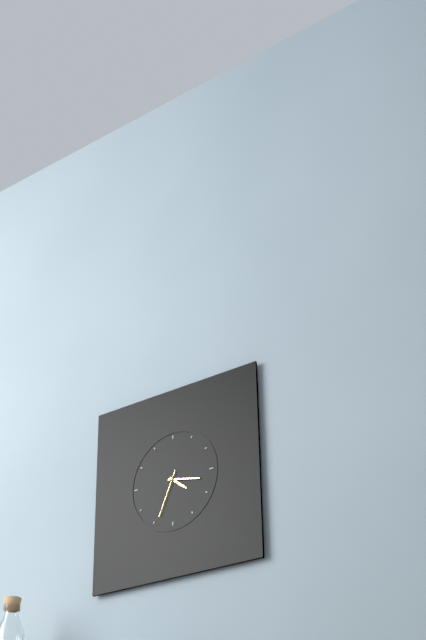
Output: **4:17:34**
